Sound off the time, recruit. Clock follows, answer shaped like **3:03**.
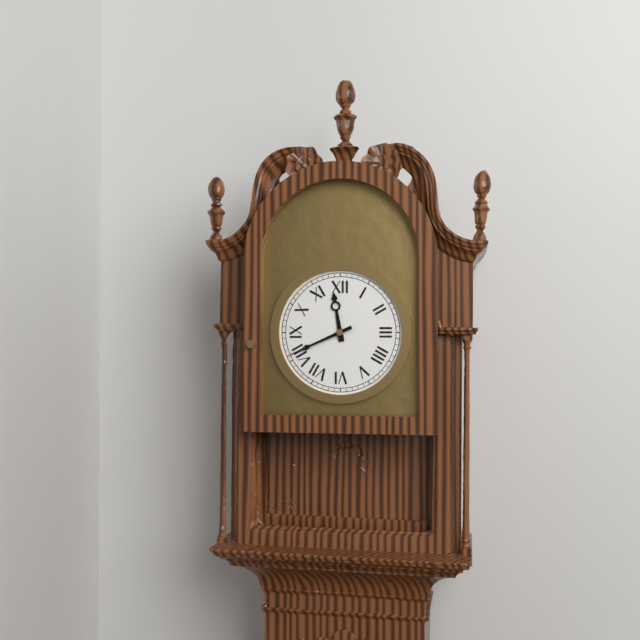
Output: **11:41**
